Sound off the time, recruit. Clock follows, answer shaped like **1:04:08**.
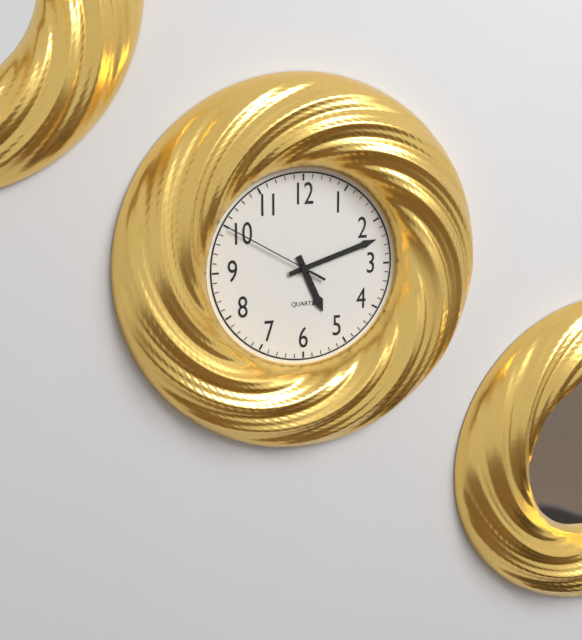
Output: **5:12:50**
